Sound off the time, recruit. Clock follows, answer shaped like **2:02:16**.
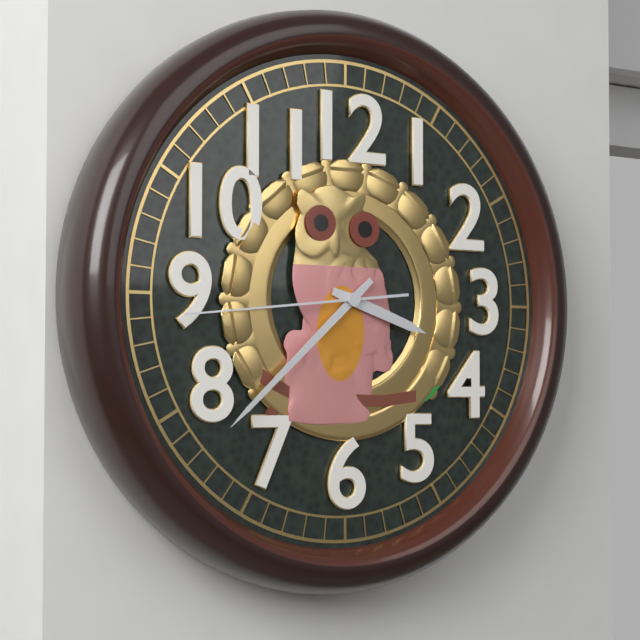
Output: **3:38:44**
